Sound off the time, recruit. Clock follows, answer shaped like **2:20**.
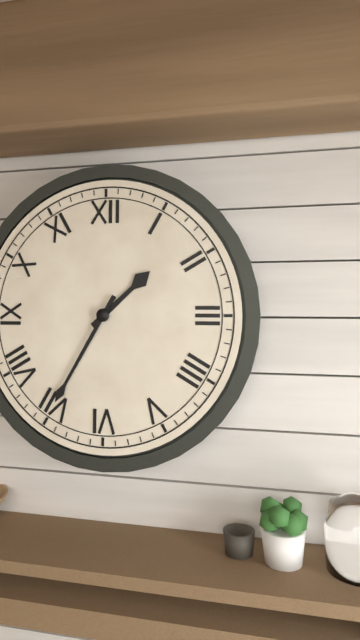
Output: **1:35**
